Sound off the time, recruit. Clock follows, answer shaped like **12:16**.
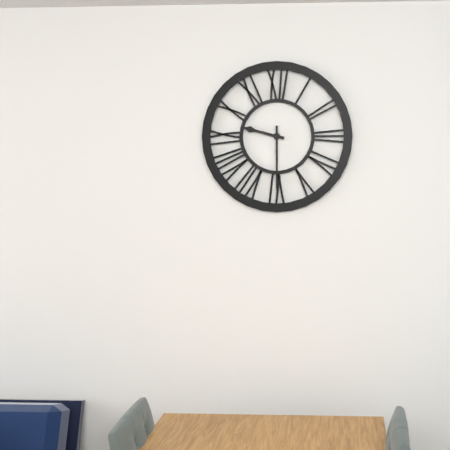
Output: **9:30**
